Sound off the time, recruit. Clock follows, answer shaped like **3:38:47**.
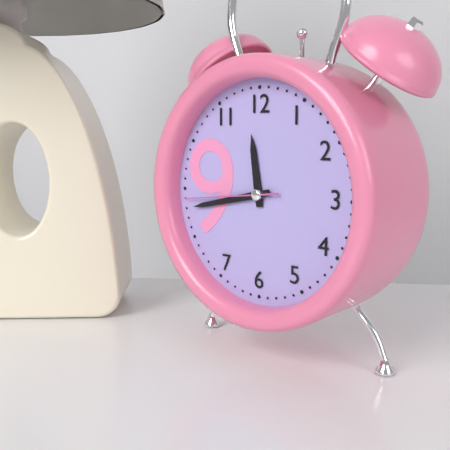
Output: **11:43:44**
